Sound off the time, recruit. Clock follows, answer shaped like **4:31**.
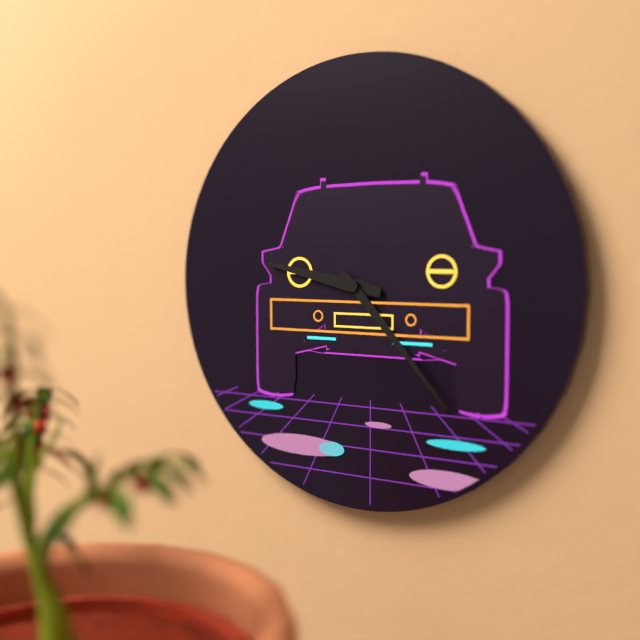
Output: **9:23**
